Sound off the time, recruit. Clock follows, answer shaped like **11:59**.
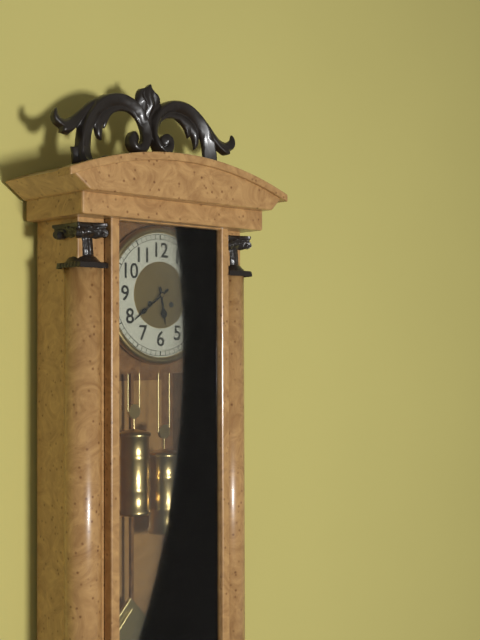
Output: **5:39**
